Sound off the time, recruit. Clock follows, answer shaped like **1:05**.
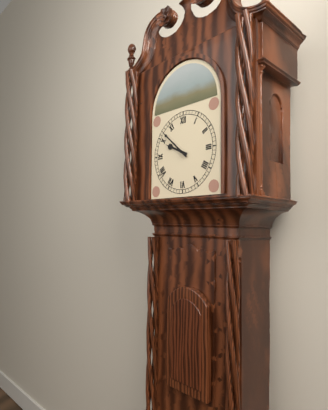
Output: **9:52**
